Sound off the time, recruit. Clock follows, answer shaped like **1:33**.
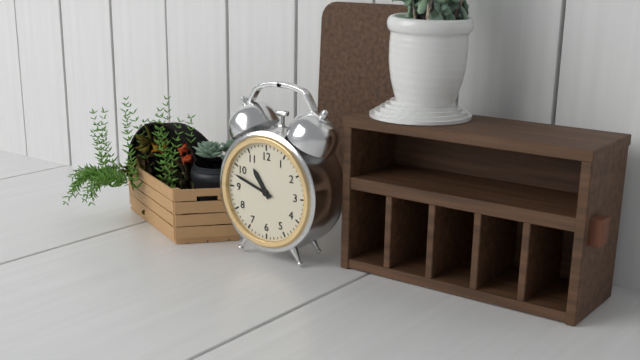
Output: **10:48**
